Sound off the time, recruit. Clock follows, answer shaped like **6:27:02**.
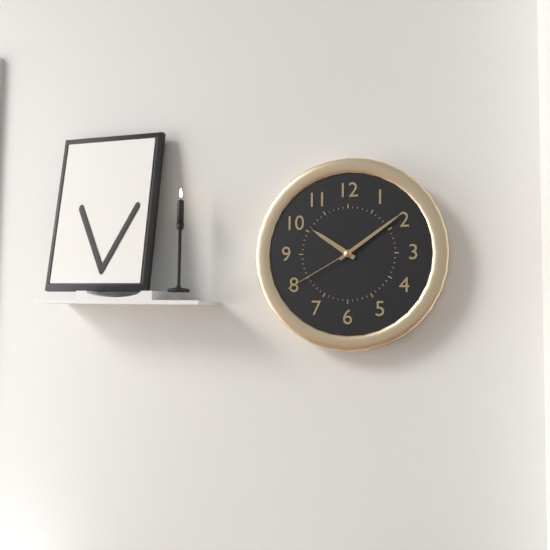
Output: **10:09:40**
